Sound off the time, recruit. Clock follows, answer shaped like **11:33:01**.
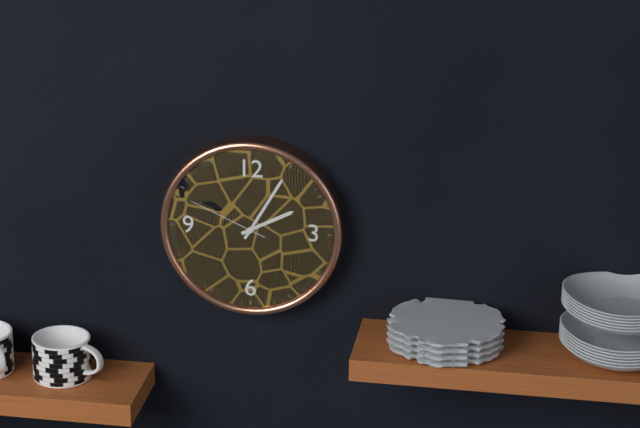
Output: **2:05:49**
